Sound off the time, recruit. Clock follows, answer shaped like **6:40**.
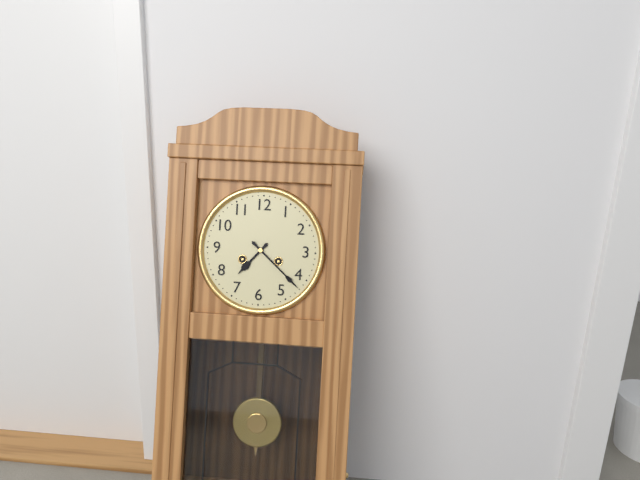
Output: **7:22**
